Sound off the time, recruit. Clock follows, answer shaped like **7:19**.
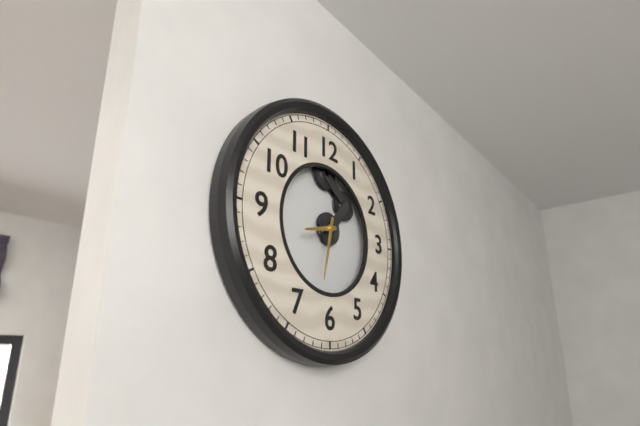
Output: **8:32**
